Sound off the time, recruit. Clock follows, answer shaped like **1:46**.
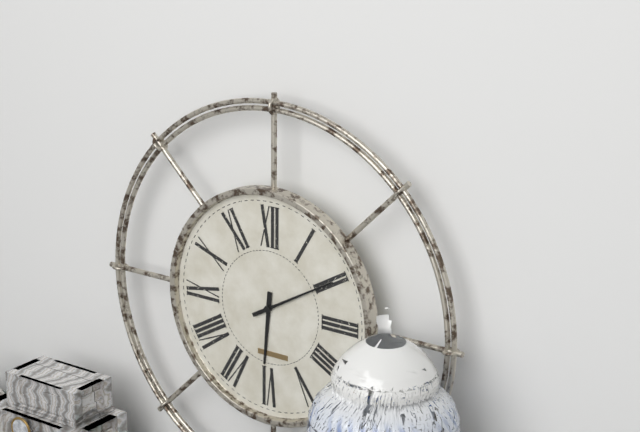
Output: **6:10**
